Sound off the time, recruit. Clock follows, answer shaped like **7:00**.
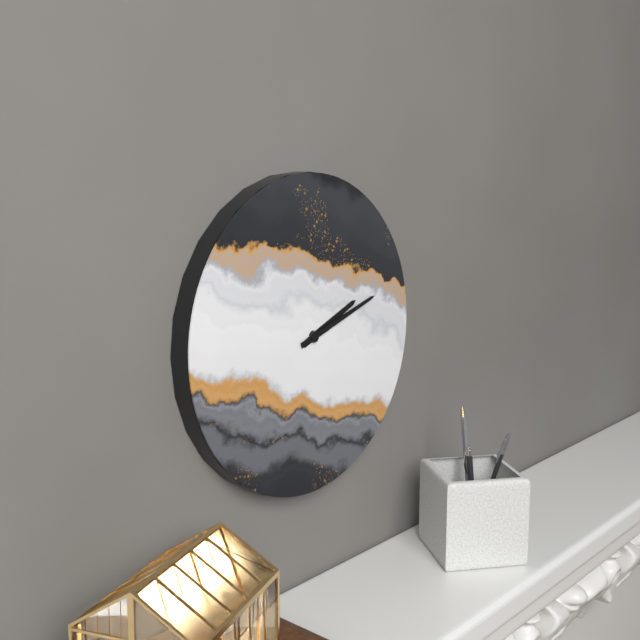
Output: **2:12**
